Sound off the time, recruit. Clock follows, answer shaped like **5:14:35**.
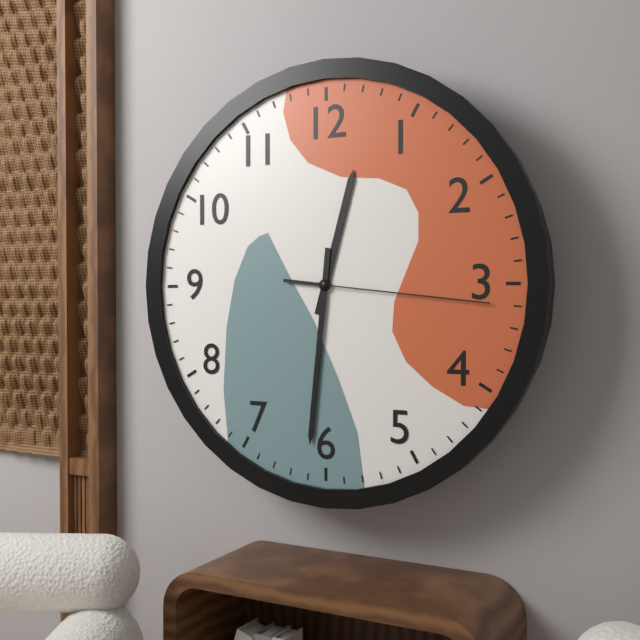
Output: **12:31:16**
